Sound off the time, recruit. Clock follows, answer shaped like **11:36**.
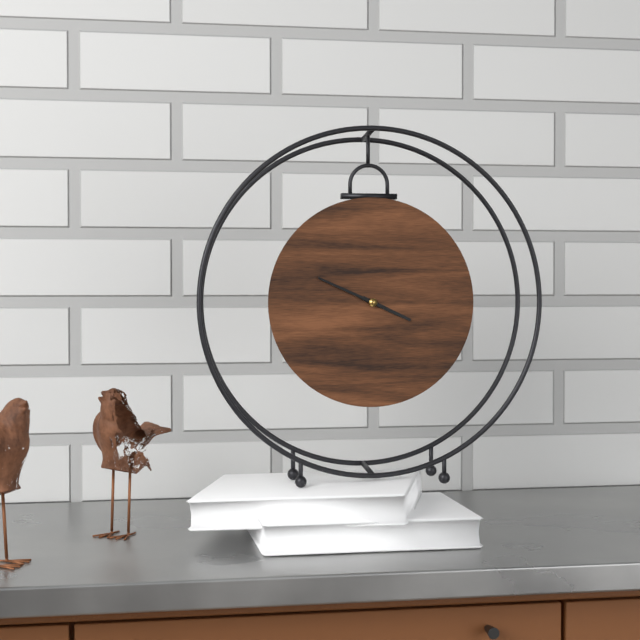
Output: **3:49**
